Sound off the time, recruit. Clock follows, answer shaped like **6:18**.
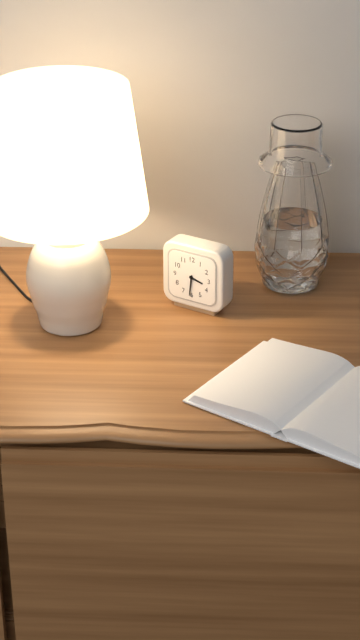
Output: **3:31**
